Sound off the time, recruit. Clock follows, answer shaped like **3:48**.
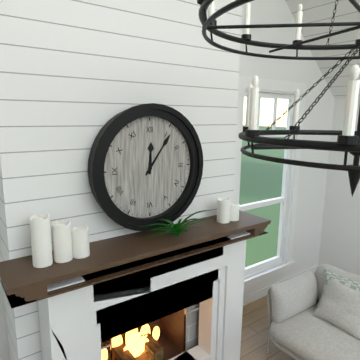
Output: **12:06**
